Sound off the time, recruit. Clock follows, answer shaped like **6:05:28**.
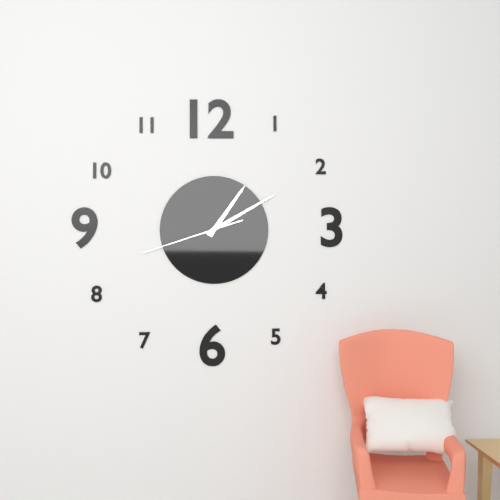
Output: **1:10:42**
